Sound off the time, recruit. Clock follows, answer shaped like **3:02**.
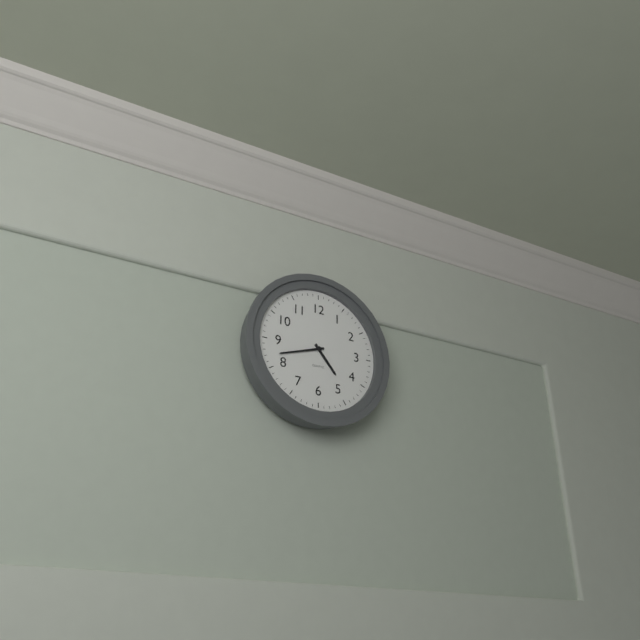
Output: **4:42**
